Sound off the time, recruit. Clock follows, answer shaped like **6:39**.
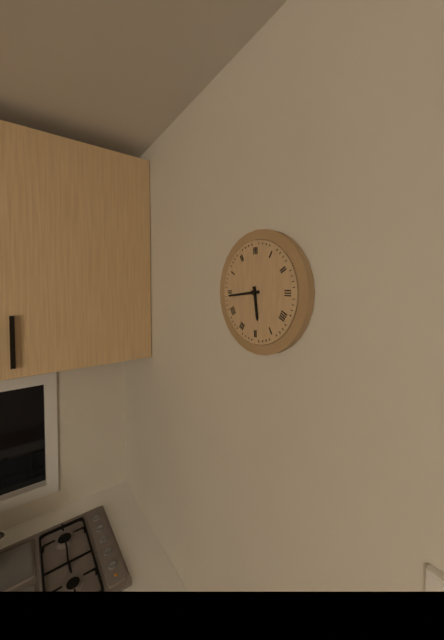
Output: **5:44**
